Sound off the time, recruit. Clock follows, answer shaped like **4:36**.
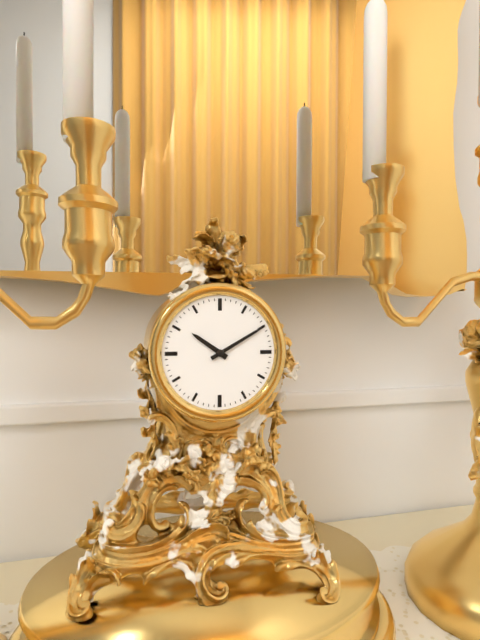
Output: **10:10**
